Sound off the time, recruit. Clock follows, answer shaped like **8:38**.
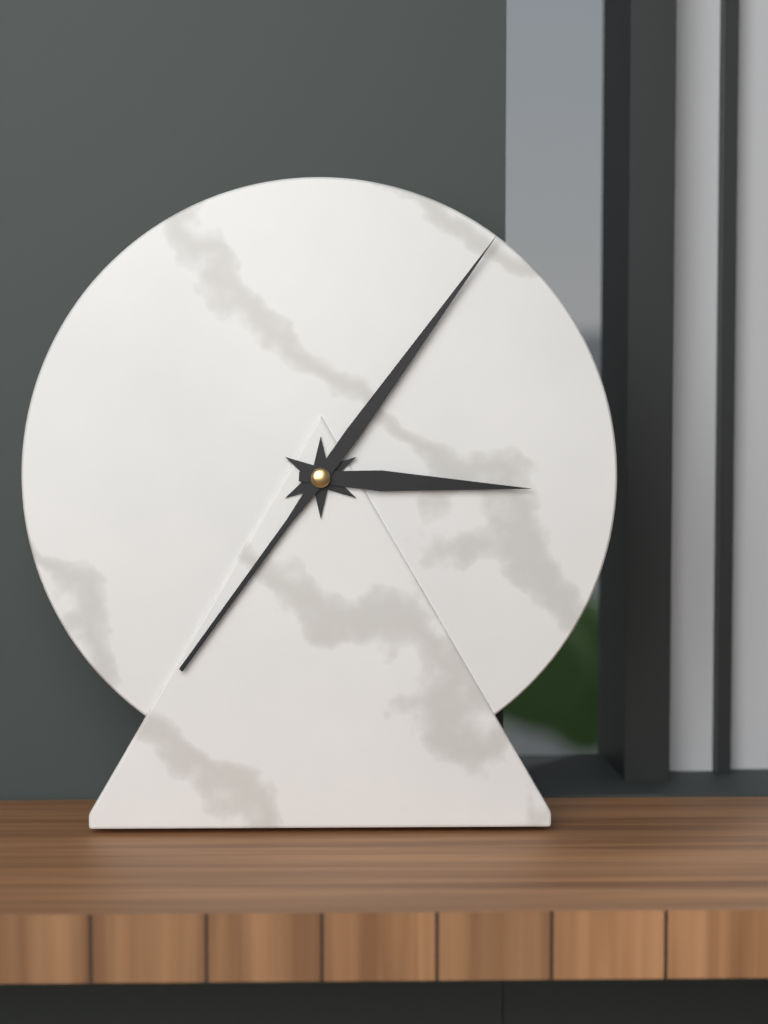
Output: **3:06**
